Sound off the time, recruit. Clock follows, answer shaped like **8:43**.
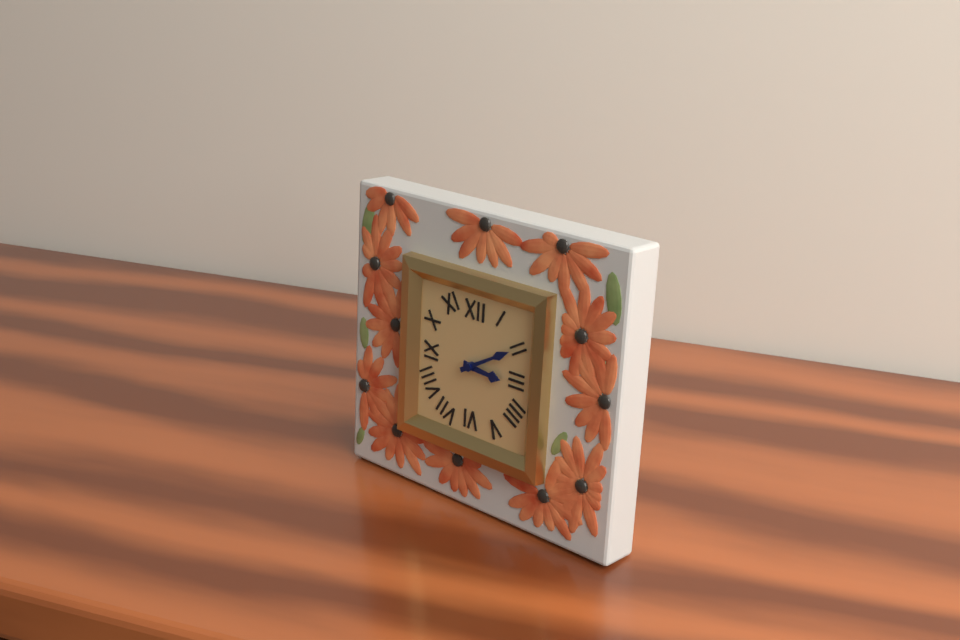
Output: **3:10**
